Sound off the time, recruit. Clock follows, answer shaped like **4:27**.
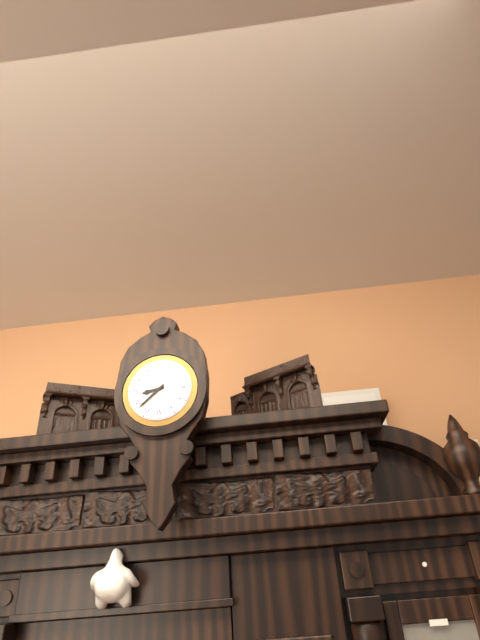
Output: **8:38**
